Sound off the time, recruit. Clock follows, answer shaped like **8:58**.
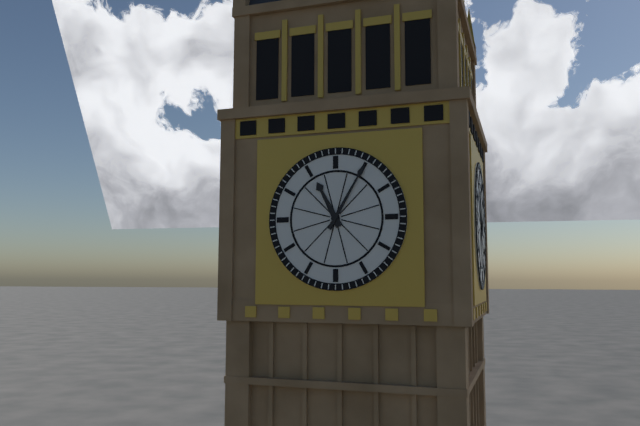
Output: **11:05**
